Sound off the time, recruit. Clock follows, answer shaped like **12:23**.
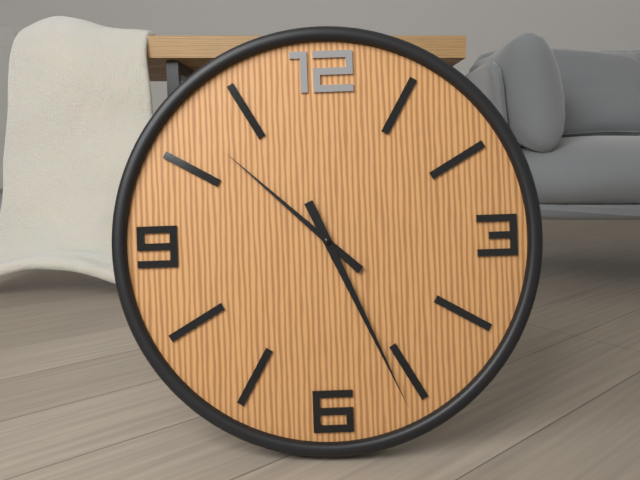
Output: **10:26**
